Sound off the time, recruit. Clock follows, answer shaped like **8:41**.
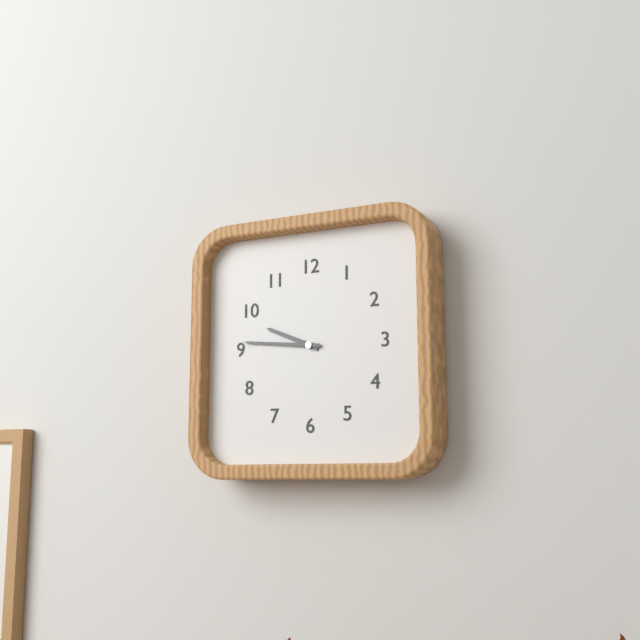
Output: **9:46**
